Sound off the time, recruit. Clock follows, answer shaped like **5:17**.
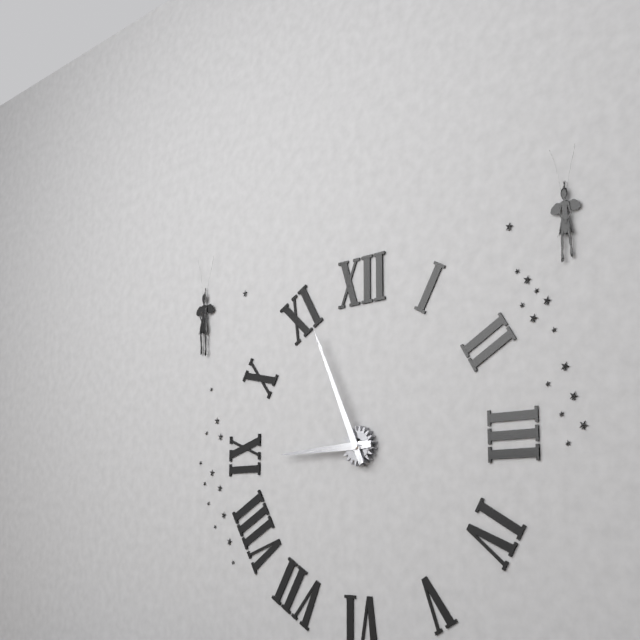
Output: **8:56**
